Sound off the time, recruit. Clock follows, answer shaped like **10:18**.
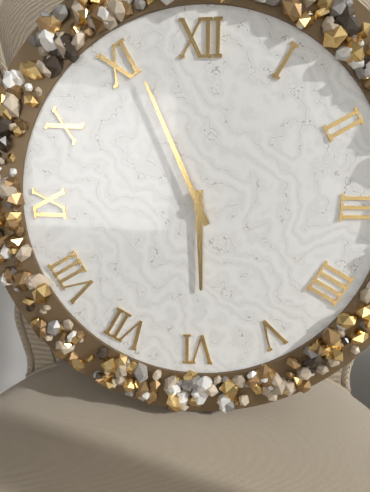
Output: **5:56**
